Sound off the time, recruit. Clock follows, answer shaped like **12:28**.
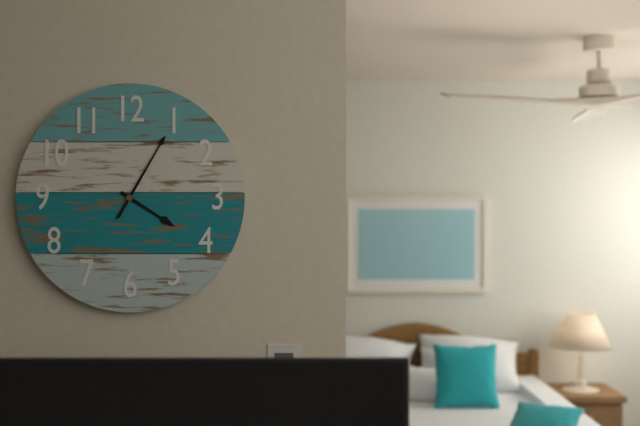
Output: **4:05**
